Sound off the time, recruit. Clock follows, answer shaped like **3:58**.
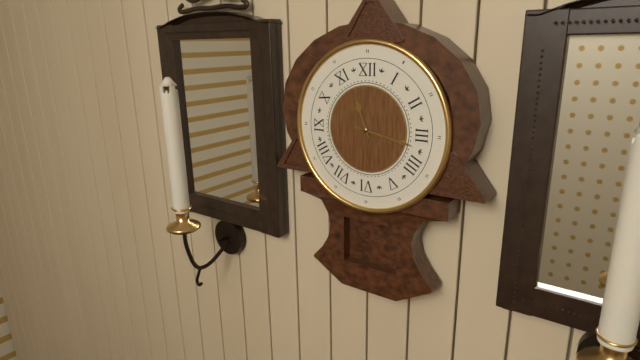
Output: **11:17**
